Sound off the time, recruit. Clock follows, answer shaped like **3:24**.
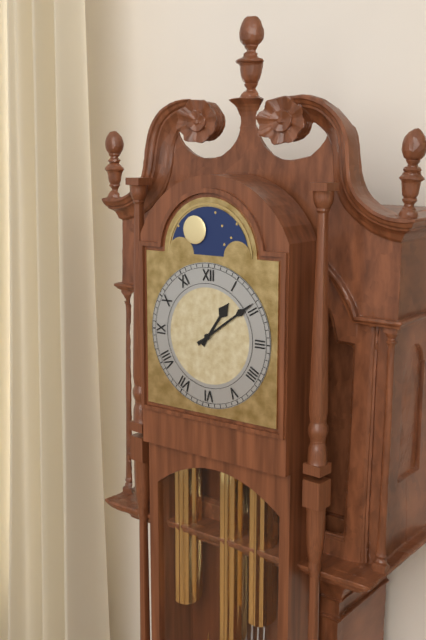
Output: **1:09**
